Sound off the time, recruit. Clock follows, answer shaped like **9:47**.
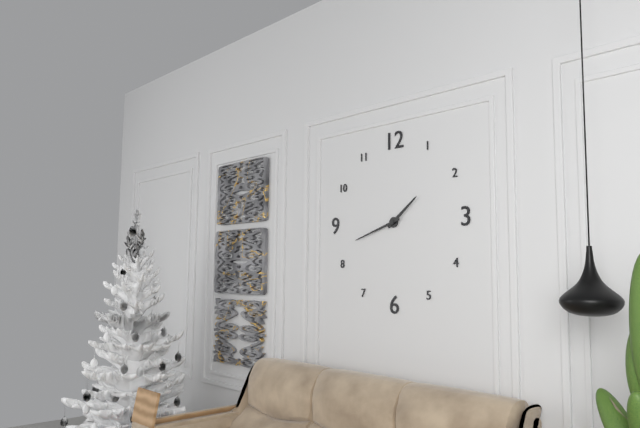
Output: **1:42**
